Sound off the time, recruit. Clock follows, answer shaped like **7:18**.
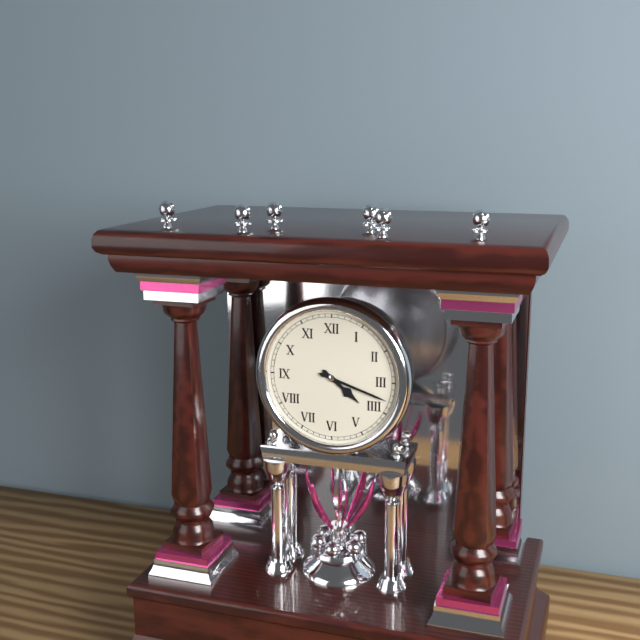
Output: **4:18**
